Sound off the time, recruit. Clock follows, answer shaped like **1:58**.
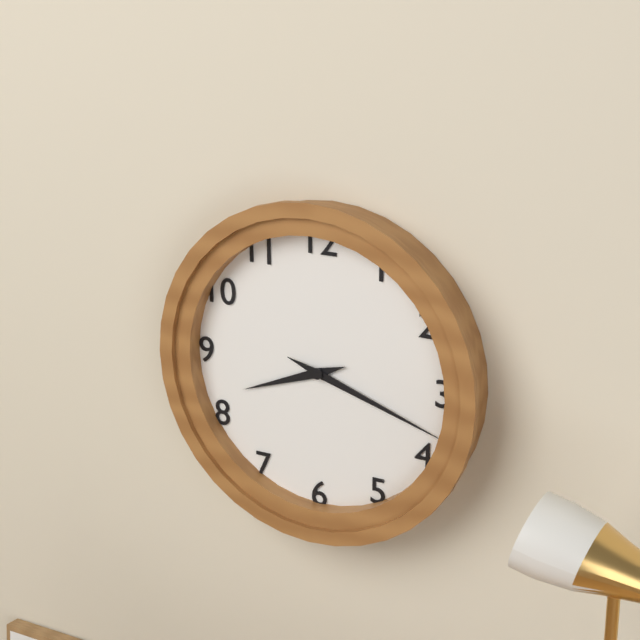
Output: **8:18**
